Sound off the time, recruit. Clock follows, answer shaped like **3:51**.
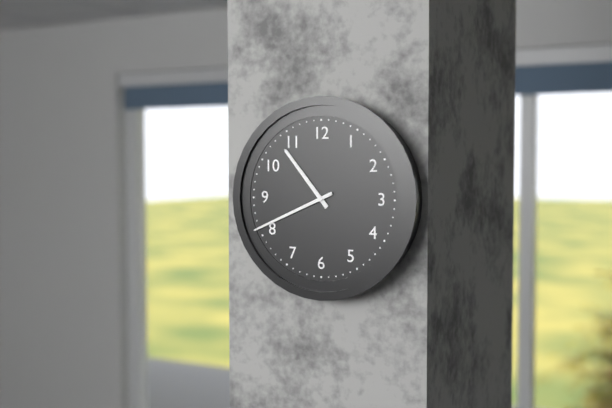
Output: **10:41**
